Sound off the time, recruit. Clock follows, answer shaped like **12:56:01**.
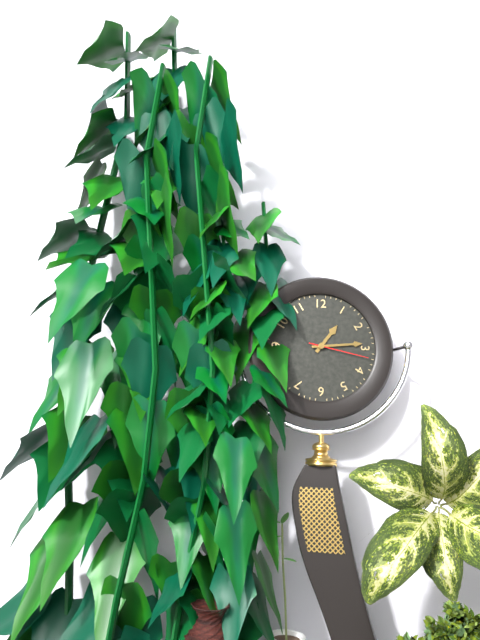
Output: **1:14:17**
